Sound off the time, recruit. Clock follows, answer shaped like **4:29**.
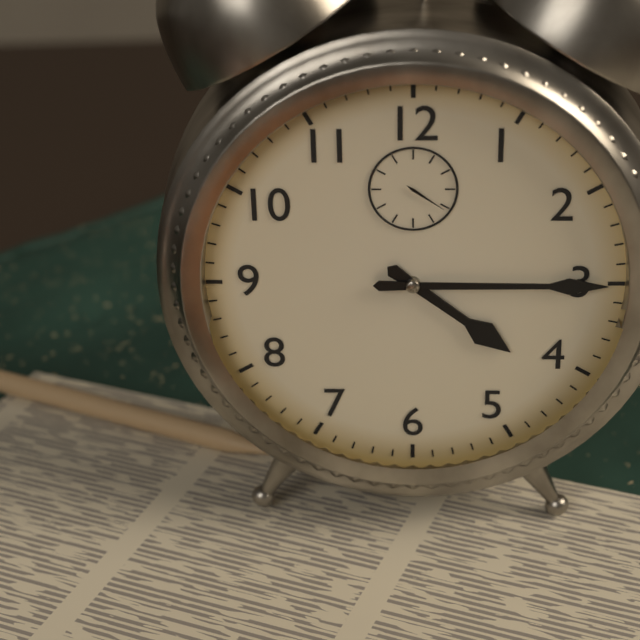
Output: **4:15**
